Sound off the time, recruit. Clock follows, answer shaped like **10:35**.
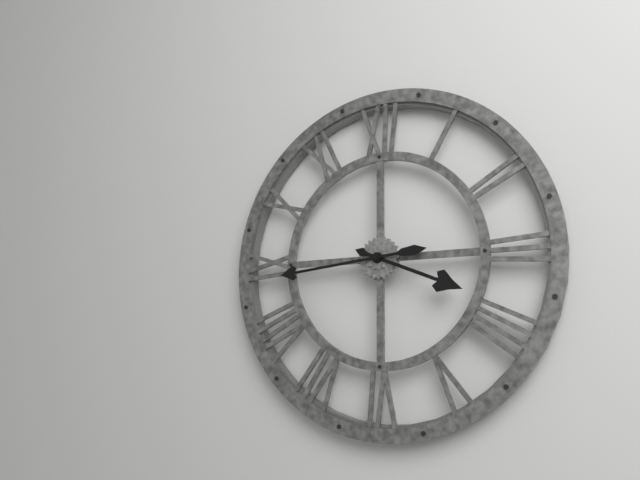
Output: **3:44**
